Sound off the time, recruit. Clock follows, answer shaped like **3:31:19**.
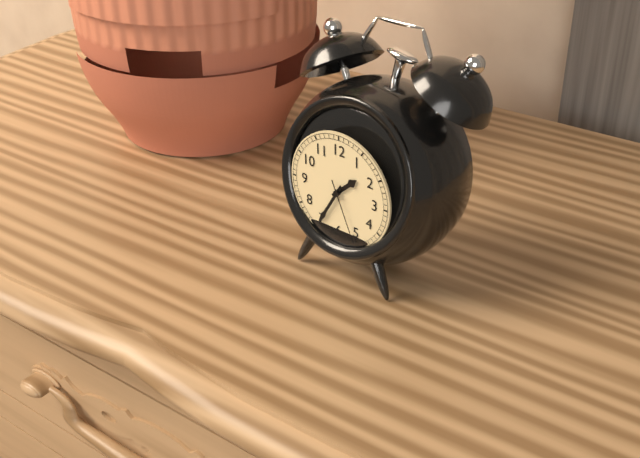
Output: **1:35:26**
